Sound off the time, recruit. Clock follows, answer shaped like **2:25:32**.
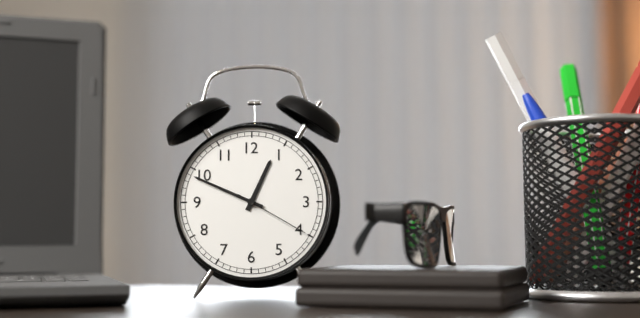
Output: **12:49:20**
